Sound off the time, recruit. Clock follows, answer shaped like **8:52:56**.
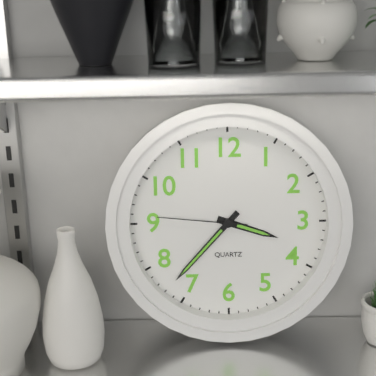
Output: **3:37:46**
